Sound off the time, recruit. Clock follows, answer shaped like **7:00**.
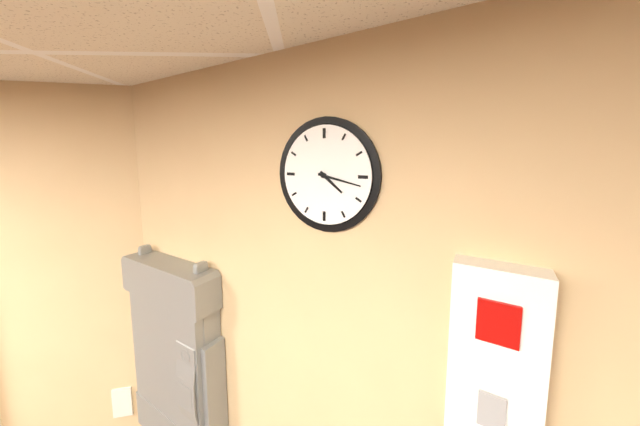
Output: **4:17**
